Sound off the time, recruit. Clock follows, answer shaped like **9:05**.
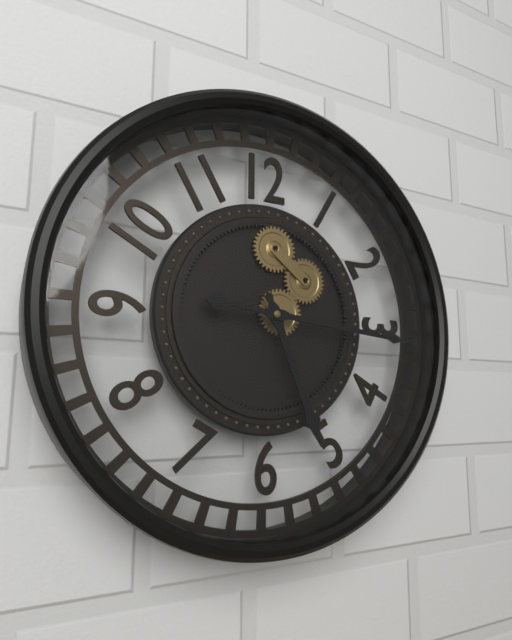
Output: **5:16**
